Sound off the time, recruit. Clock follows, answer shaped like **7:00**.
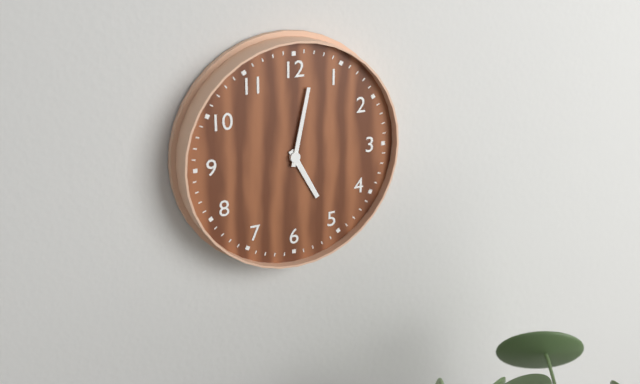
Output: **5:02**
